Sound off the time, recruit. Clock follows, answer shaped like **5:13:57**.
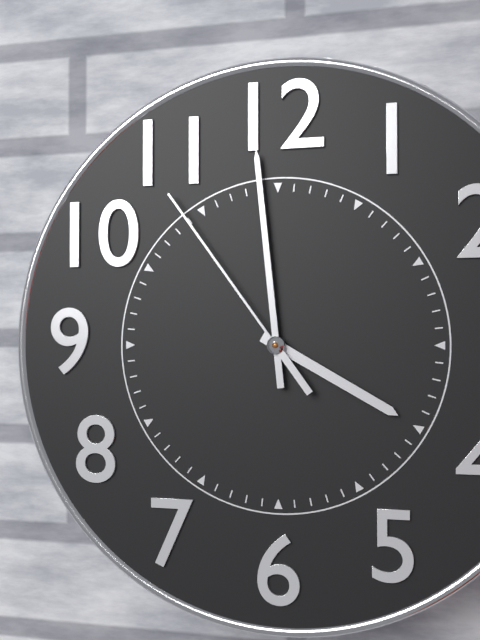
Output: **3:59:54**
